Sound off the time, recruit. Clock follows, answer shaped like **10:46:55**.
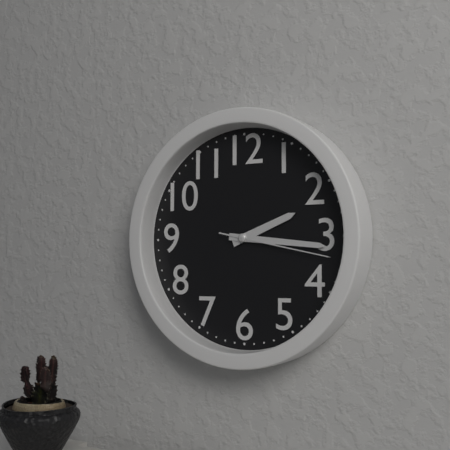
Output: **2:16:17**
